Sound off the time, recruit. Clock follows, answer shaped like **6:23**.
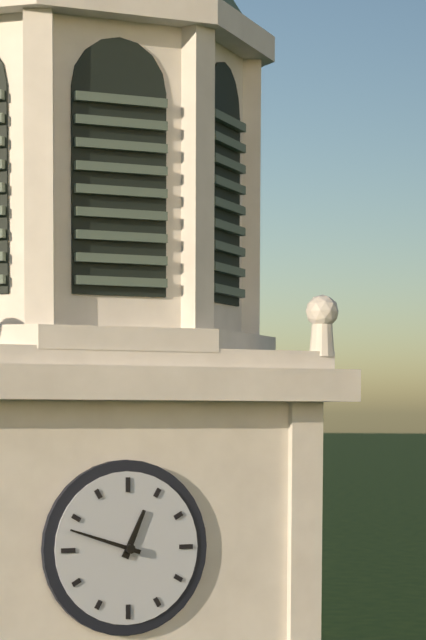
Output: **12:48**
